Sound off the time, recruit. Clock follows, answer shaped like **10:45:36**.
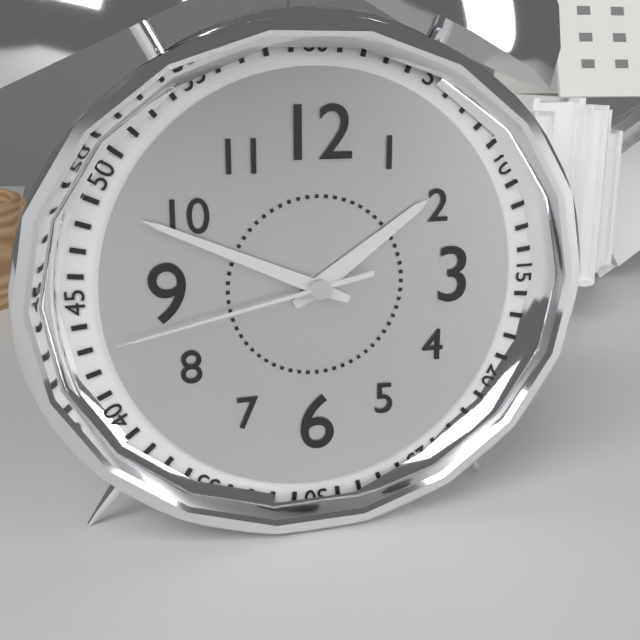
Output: **1:49:43**
